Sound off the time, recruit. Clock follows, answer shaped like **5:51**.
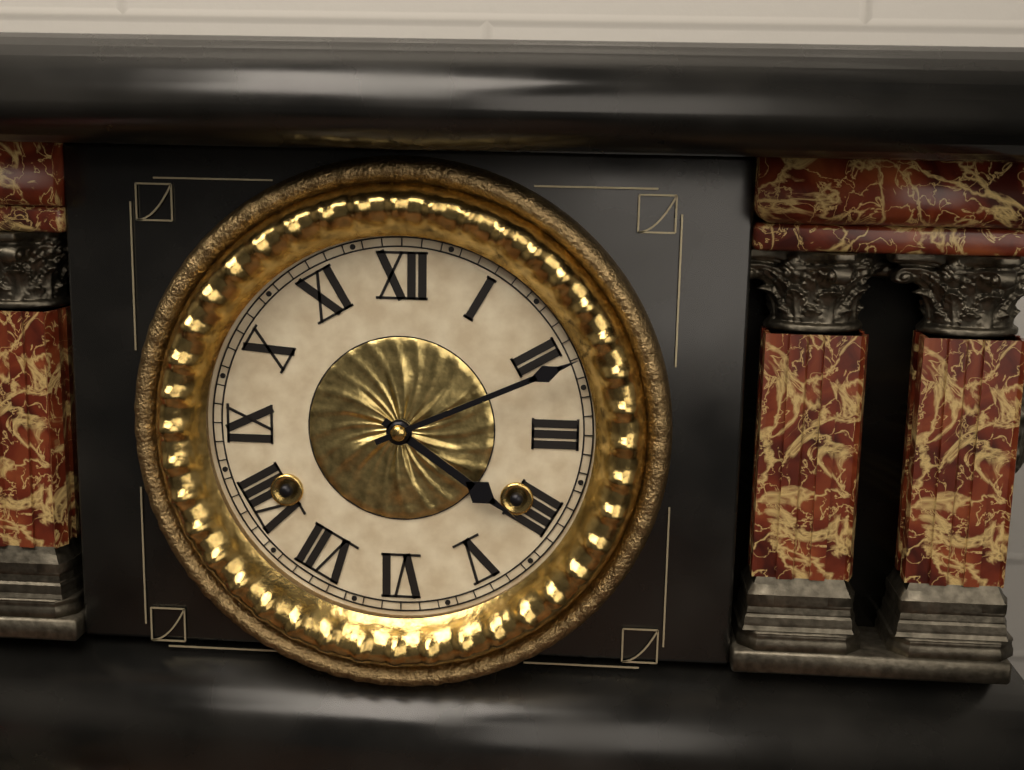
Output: **4:11**
